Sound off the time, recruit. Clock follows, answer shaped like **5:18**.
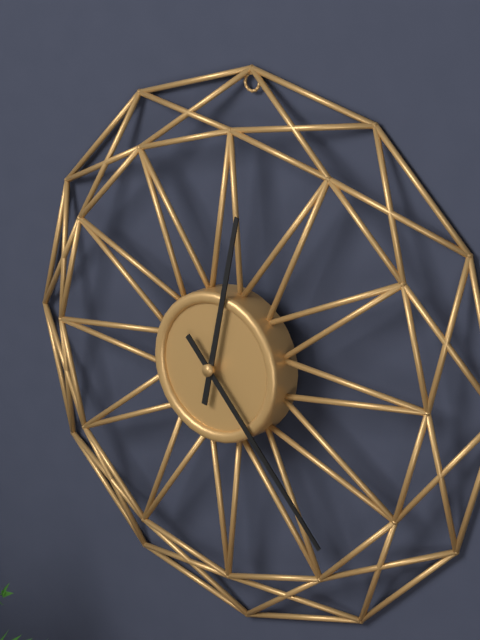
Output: **12:23**
